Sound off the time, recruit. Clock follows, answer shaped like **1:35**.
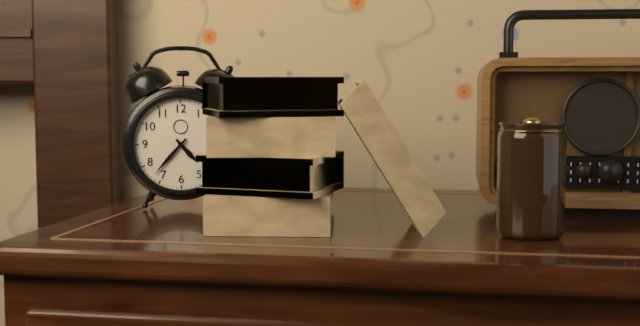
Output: **4:37**
